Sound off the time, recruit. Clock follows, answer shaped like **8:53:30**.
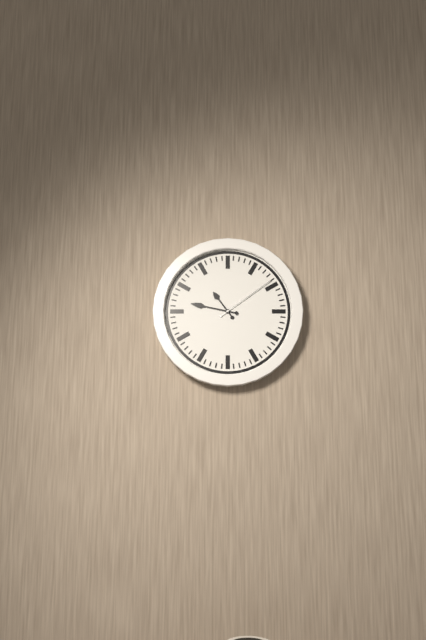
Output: **10:47:09**
